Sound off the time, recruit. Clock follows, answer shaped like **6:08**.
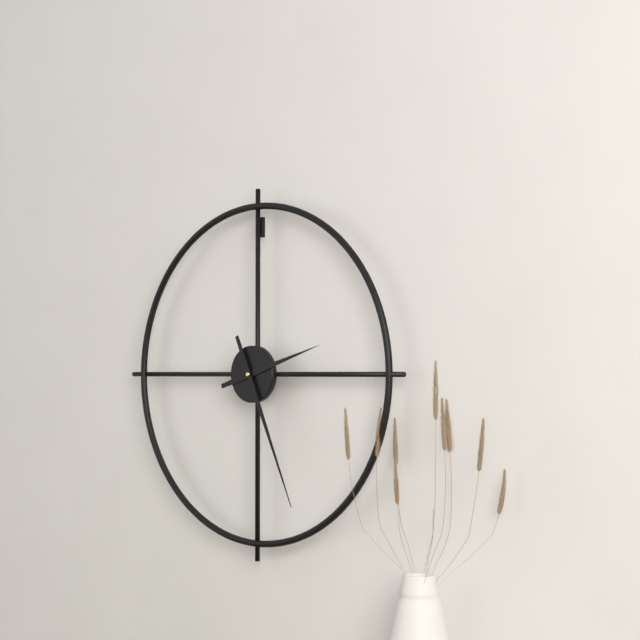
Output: **2:26**
